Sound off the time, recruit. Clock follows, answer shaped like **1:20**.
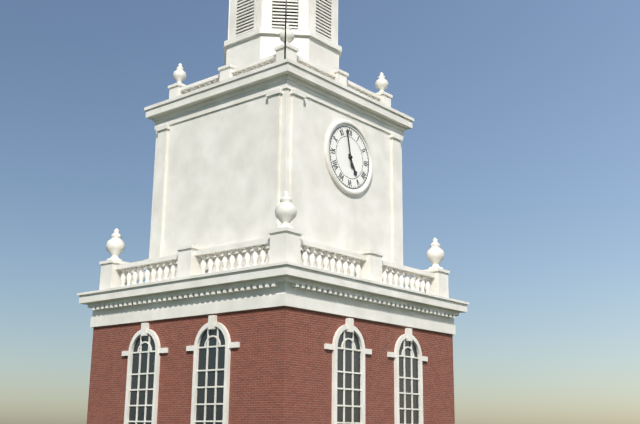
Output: **4:58**
